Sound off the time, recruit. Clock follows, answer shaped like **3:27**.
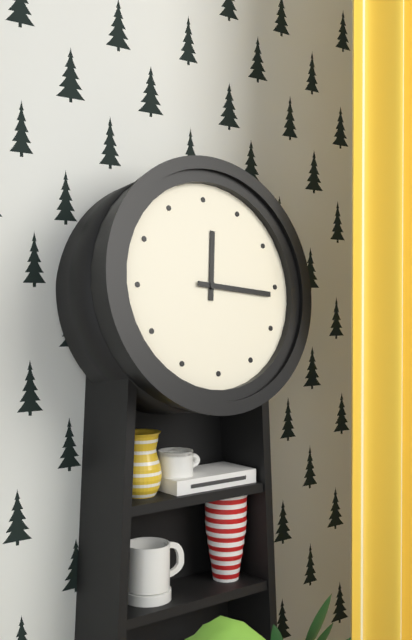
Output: **12:16**
